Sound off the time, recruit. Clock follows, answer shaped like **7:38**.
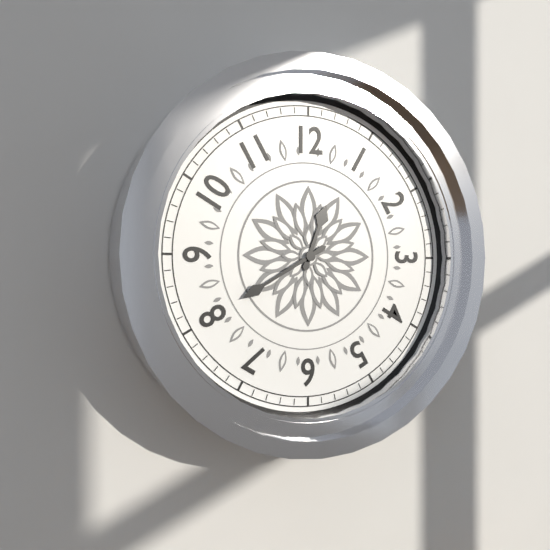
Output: **12:40**
